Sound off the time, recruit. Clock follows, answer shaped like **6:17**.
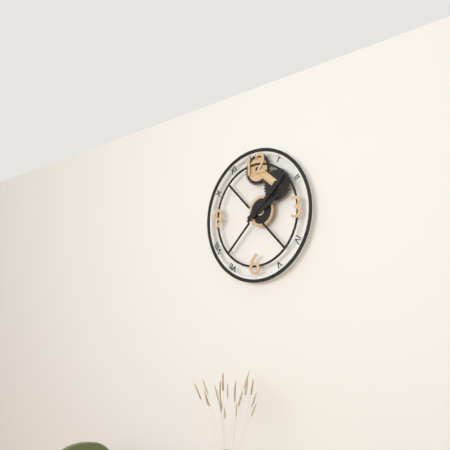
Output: **2:08**
